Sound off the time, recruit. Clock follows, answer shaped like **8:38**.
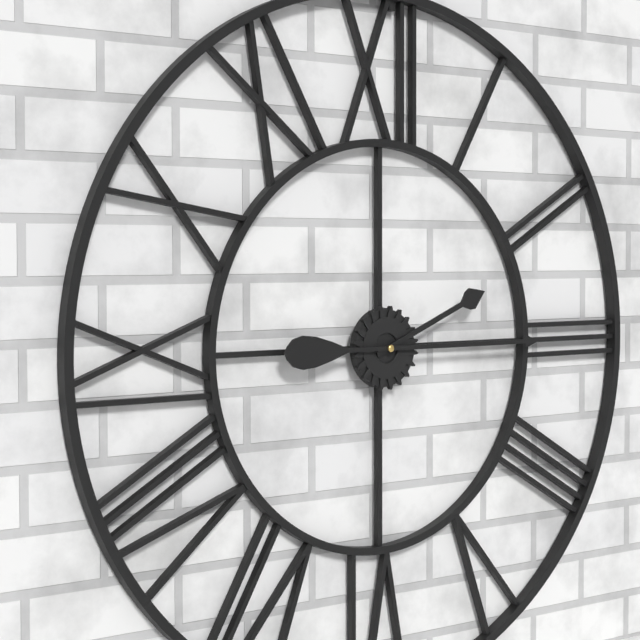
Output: **2:15**
